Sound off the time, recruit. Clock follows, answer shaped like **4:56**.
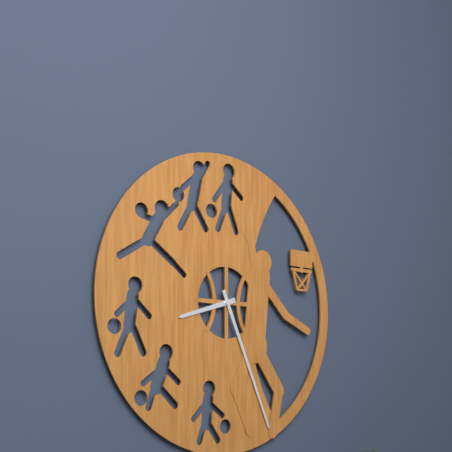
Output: **8:26**
